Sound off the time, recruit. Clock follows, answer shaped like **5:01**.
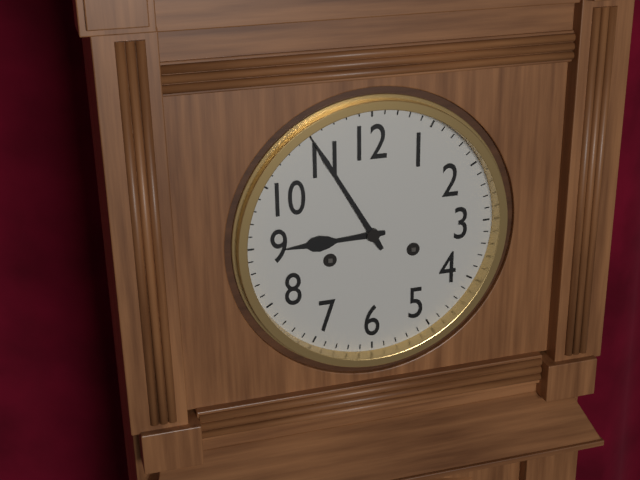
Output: **8:55**
